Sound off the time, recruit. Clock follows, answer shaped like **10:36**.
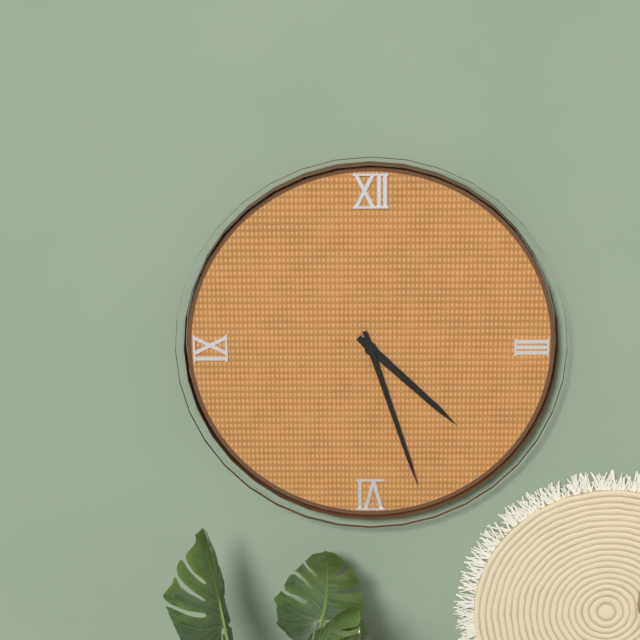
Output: **4:27**
